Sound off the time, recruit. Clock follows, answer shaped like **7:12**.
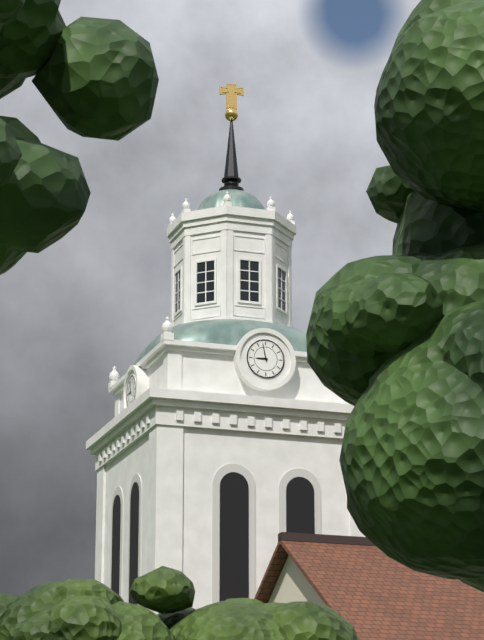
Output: **8:58**
